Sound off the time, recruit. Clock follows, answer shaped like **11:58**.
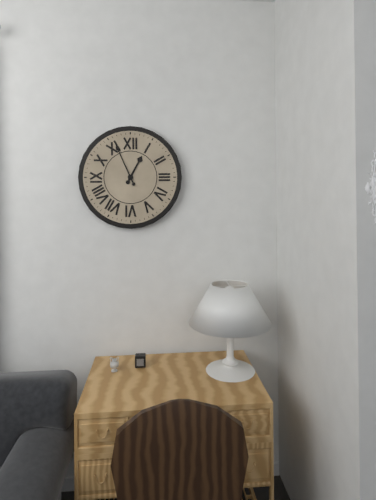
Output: **12:56**
